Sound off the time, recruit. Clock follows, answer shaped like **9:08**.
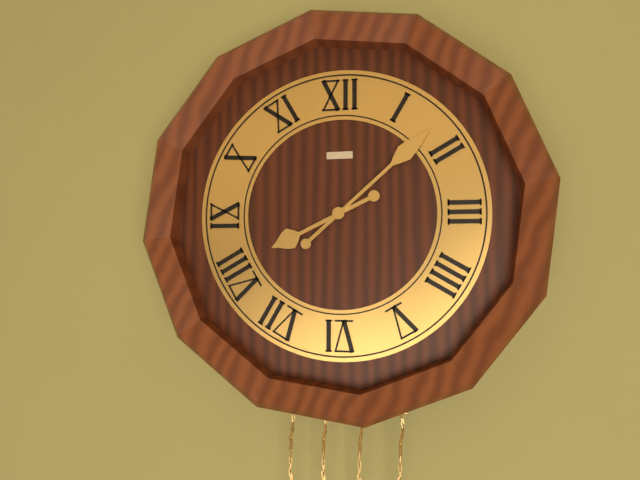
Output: **8:08**
